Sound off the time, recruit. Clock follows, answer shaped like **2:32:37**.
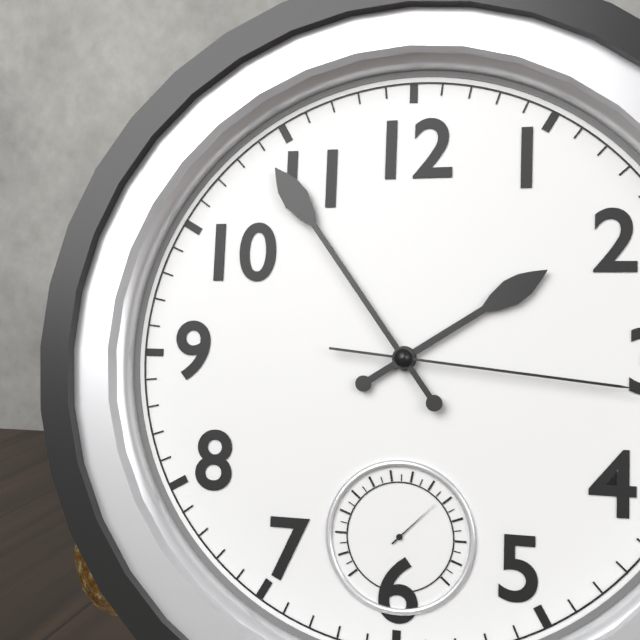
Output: **1:54:16**
